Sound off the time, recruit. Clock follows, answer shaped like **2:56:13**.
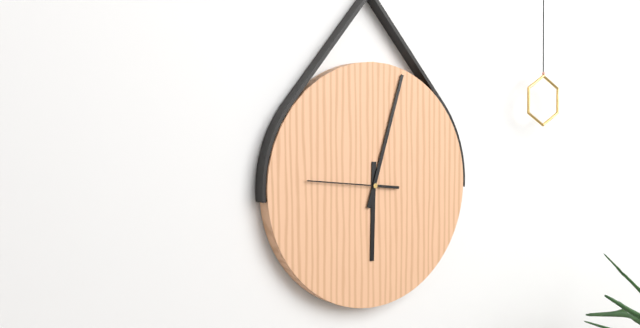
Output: **6:03:46**
